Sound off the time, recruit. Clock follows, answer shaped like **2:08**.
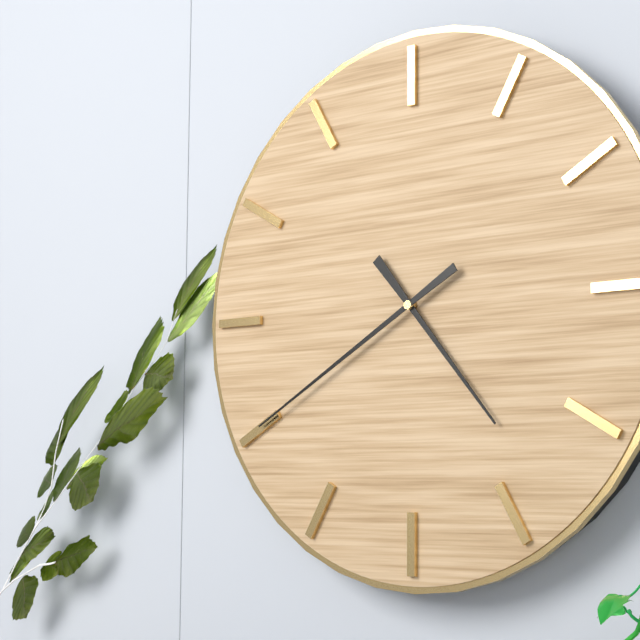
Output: **4:40**
